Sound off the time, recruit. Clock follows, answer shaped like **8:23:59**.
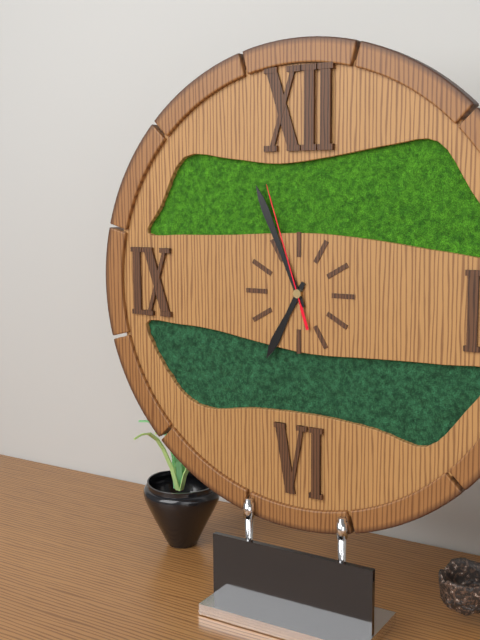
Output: **6:56:57**
